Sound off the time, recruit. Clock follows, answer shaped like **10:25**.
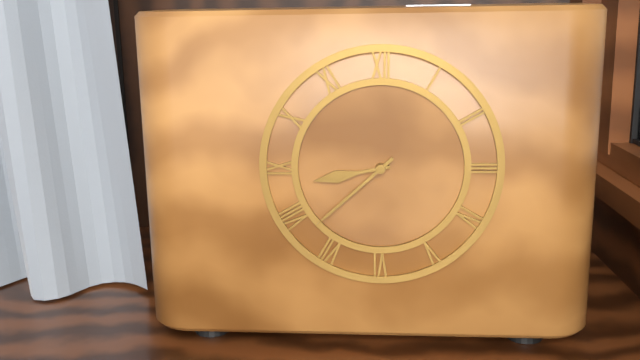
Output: **8:38**
